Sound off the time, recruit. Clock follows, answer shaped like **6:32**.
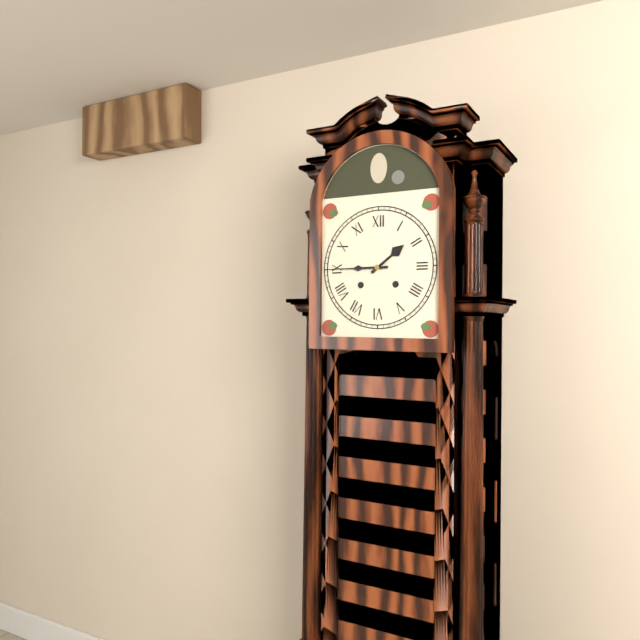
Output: **1:45**
